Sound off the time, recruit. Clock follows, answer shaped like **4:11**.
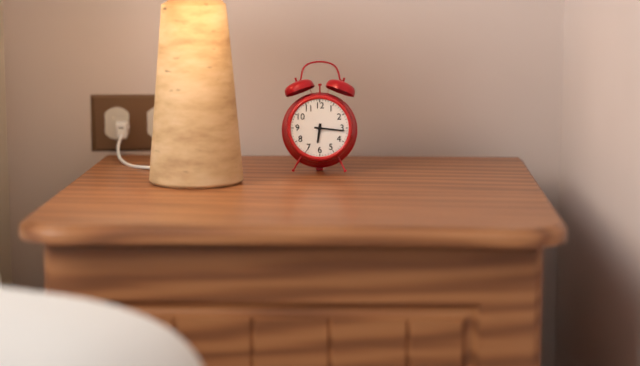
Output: **6:16**
